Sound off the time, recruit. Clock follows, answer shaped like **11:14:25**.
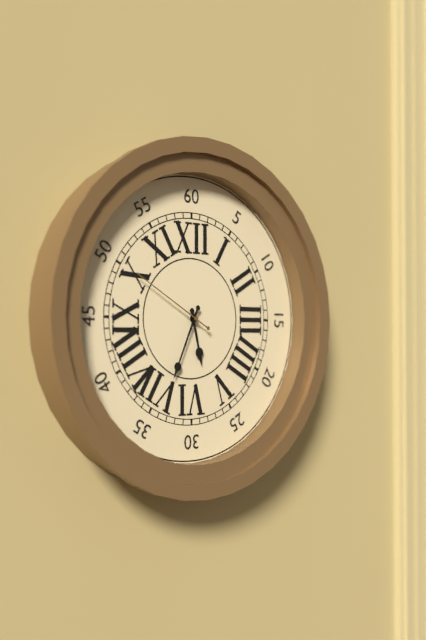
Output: **5:34:50**
